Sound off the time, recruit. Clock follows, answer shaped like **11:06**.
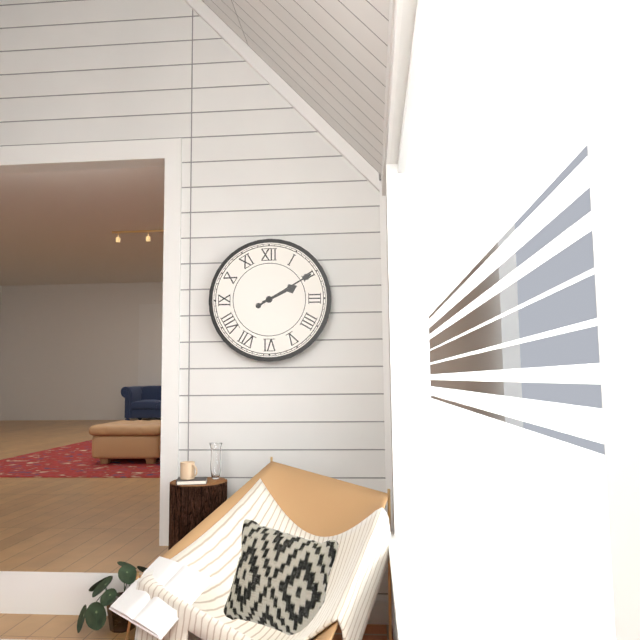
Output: **2:10**
